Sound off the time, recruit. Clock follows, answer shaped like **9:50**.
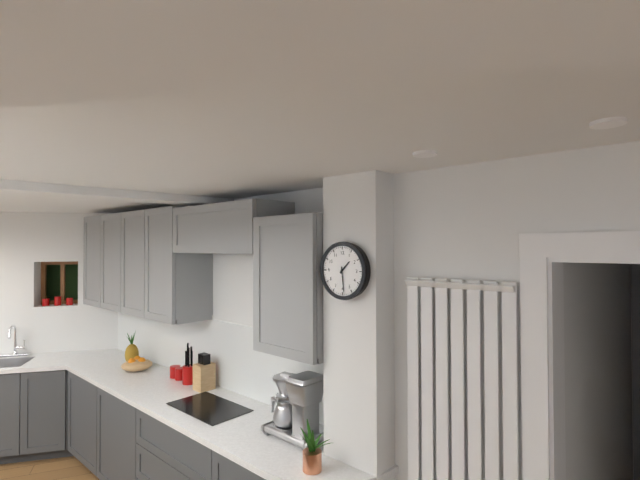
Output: **1:29**
